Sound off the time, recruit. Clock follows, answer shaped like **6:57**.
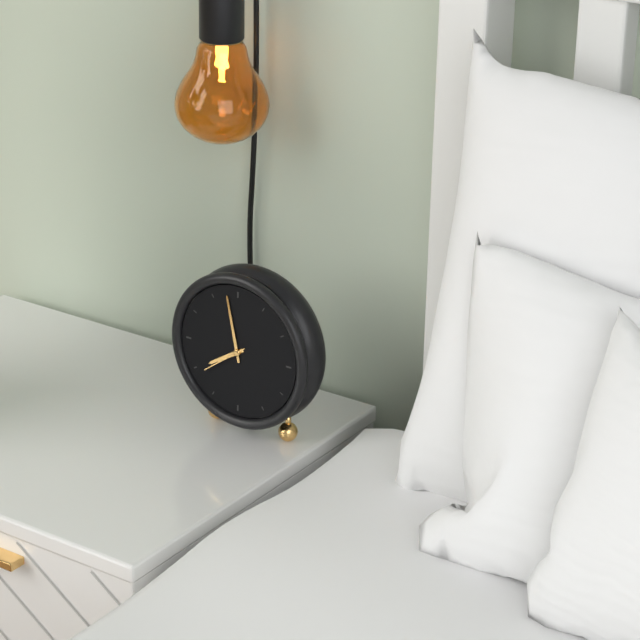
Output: **7:58**
